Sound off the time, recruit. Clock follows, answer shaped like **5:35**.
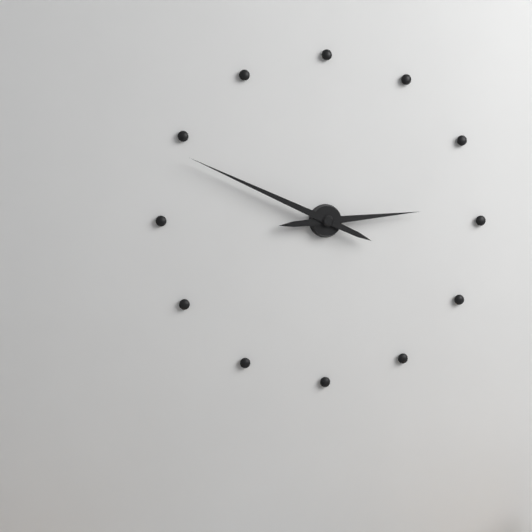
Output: **2:49**
